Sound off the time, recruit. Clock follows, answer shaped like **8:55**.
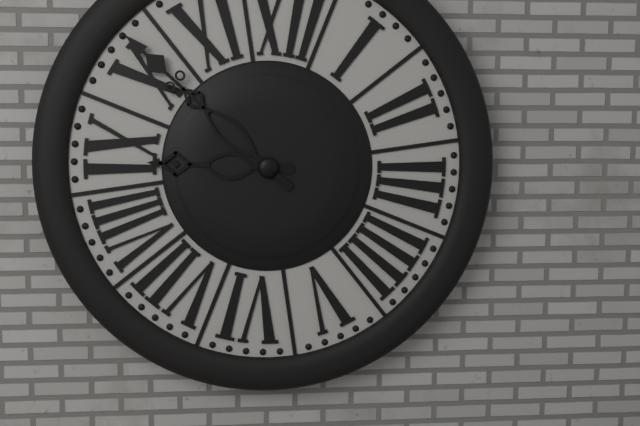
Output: **8:51**
